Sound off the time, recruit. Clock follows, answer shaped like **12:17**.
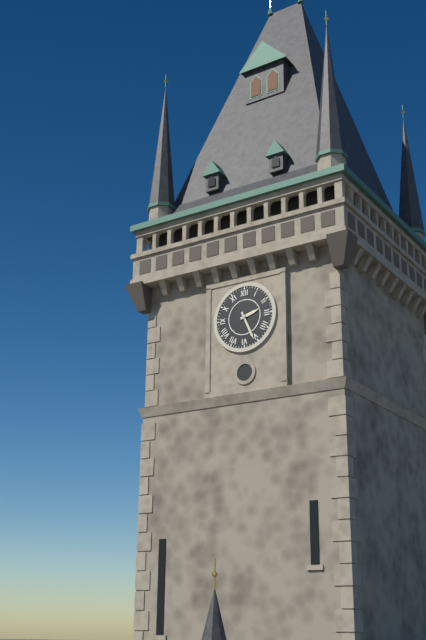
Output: **2:26**
